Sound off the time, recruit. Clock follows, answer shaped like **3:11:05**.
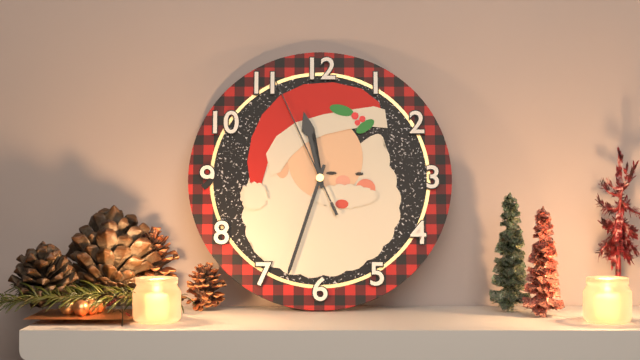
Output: **11:33:56**
